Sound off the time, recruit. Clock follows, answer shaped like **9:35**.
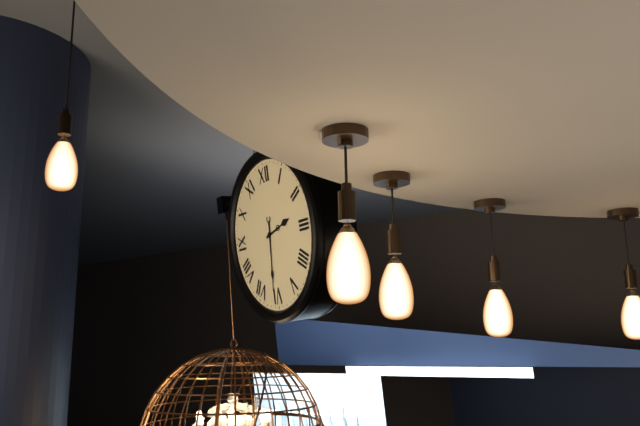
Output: **2:31**
